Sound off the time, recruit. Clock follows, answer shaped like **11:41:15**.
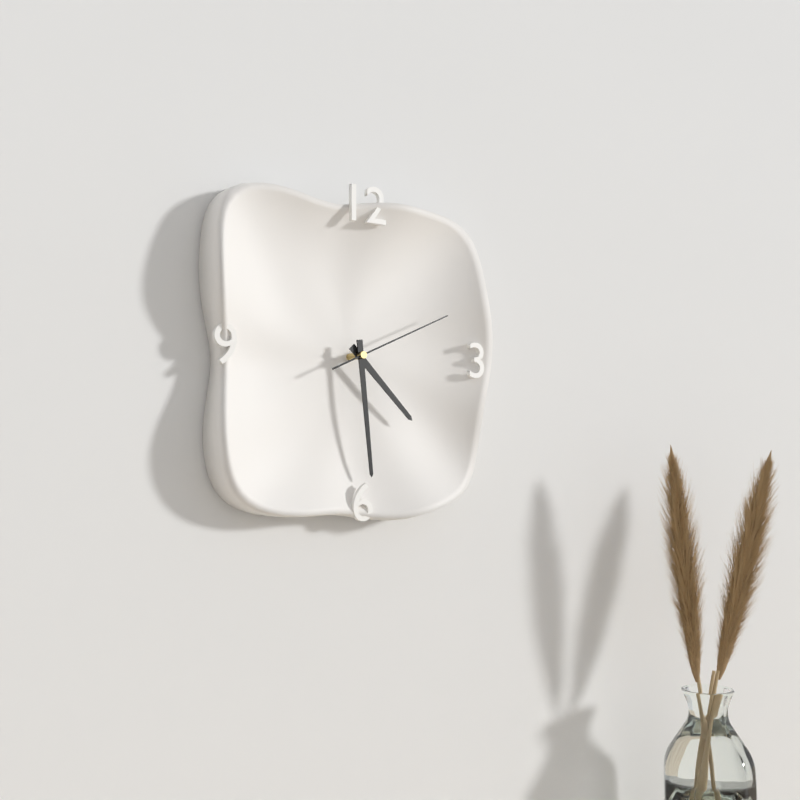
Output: **4:29:11**
